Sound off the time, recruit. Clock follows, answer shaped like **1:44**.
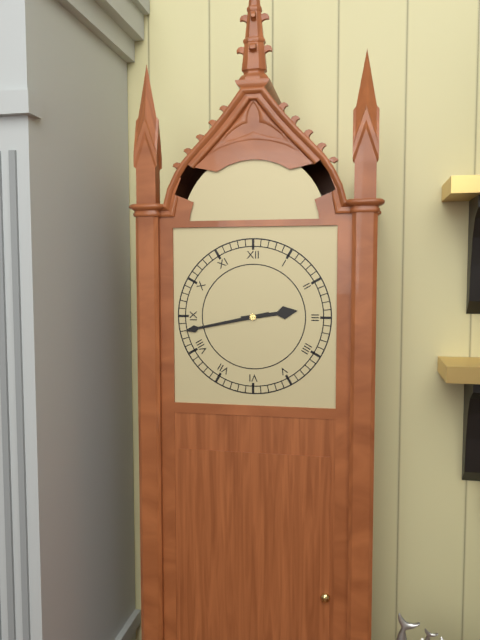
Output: **2:43**
